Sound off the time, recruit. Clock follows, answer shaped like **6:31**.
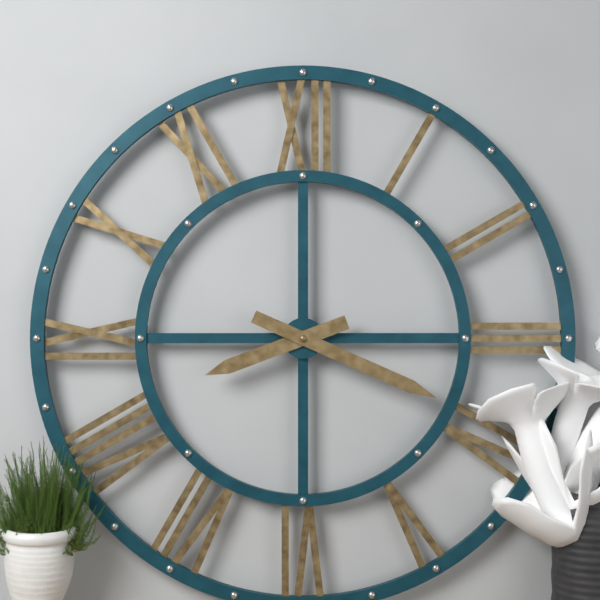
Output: **8:19**
